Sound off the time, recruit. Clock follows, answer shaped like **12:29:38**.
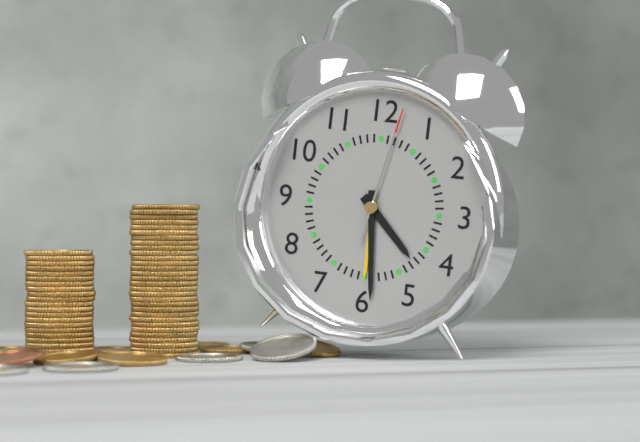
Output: **4:29:02**
